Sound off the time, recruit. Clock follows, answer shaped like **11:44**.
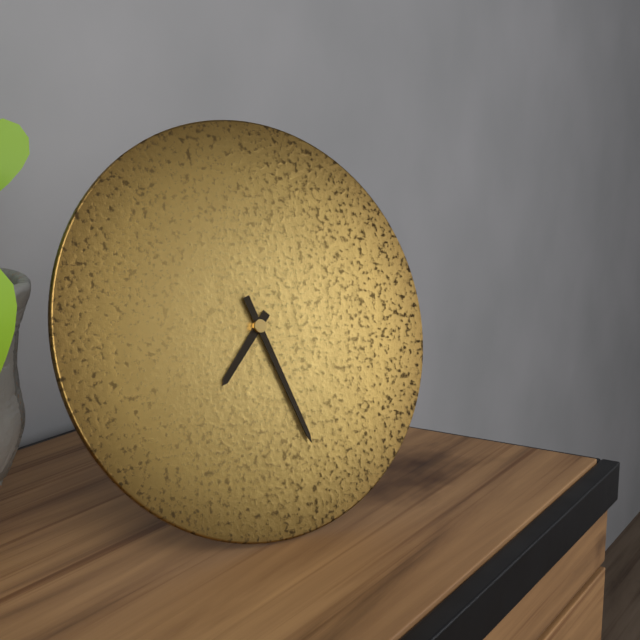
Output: **7:27**
